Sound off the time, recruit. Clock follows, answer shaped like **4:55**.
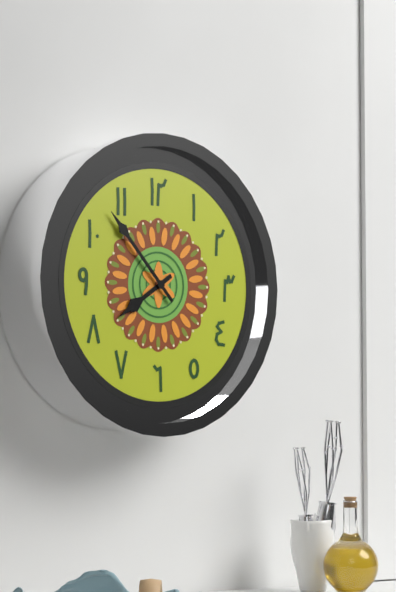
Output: **7:53**
